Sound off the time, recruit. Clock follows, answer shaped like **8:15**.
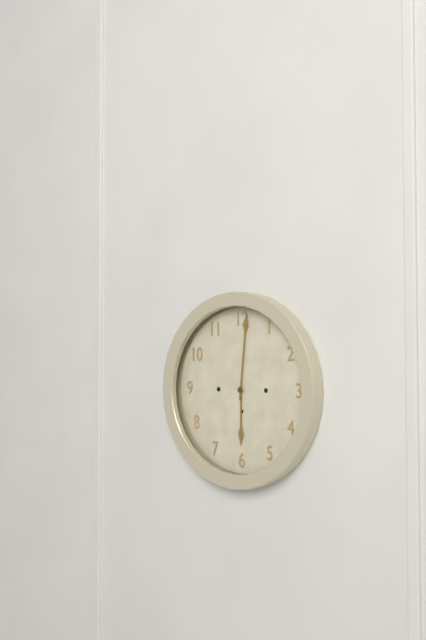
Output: **6:01**
